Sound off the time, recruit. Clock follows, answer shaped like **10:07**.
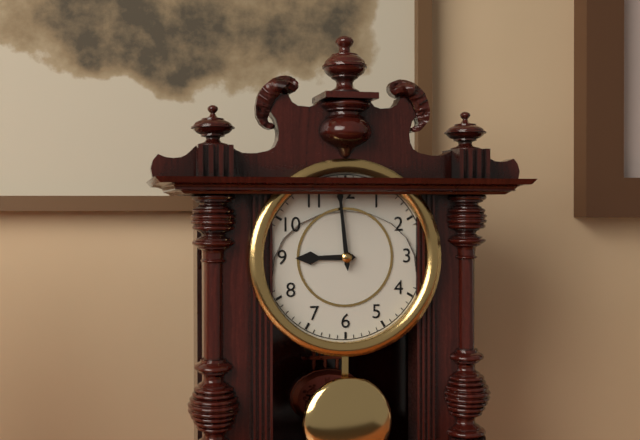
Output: **8:59**
